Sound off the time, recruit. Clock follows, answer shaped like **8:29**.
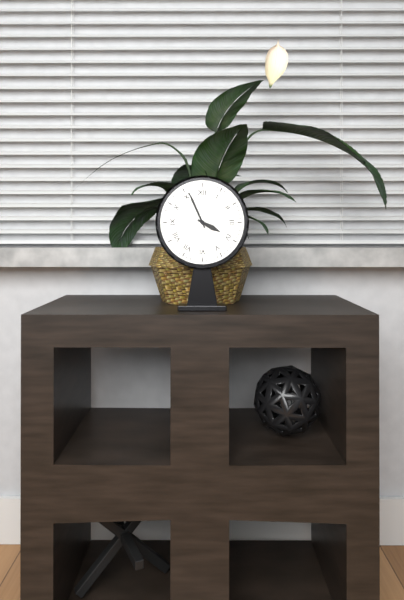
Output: **3:56**
